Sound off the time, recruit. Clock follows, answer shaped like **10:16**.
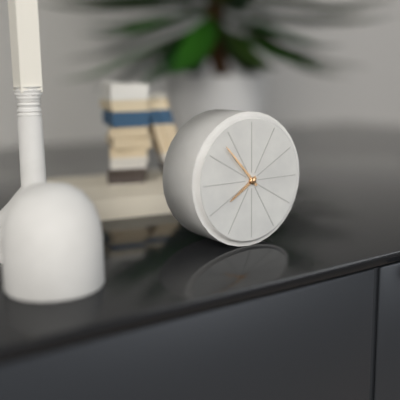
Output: **7:53**
